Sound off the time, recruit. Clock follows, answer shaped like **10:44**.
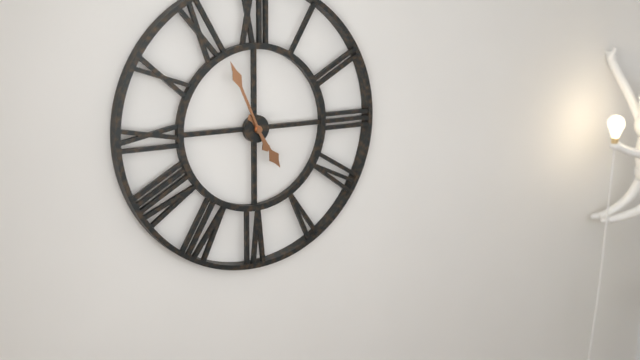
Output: **4:56**
